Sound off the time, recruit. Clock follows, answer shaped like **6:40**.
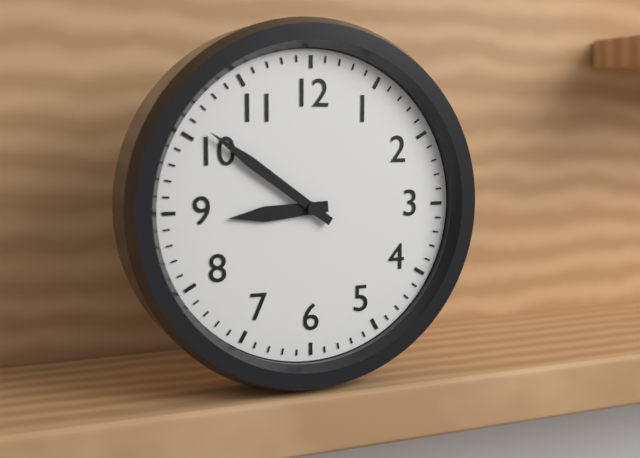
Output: **8:51**
